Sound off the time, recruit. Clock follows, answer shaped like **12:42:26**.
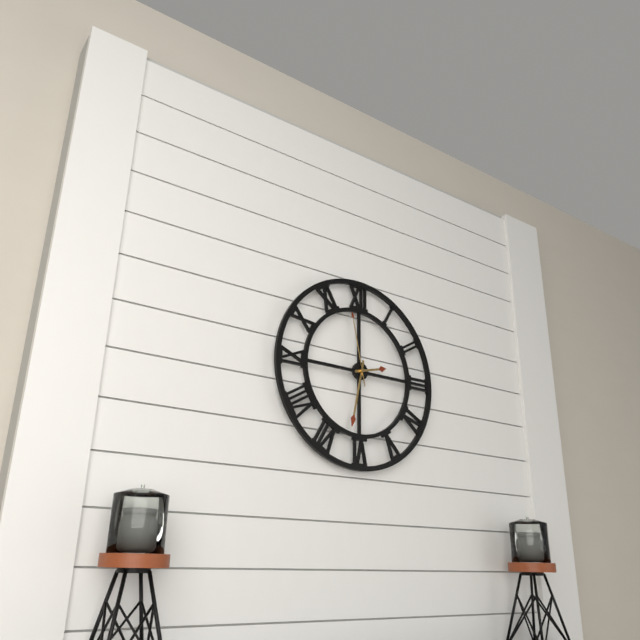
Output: **2:32:58**
